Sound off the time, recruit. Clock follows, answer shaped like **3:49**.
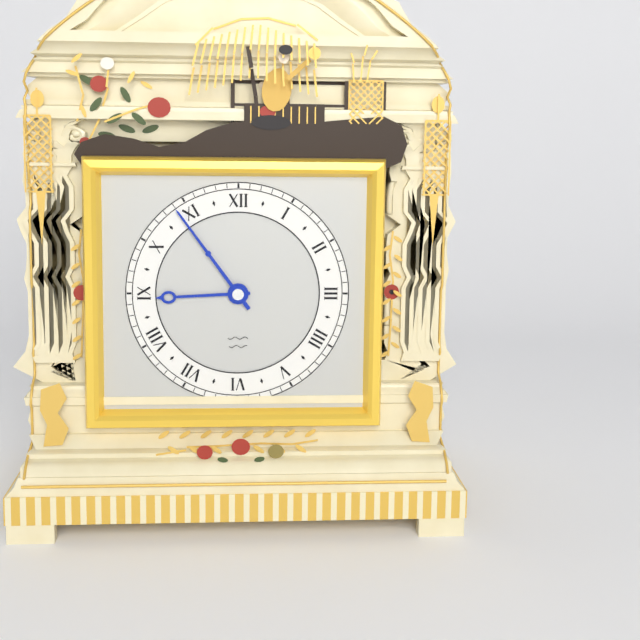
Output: **8:54**
